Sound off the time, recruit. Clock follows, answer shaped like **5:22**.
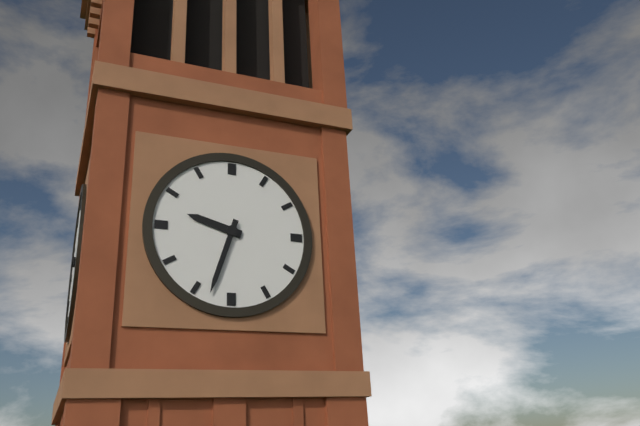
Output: **9:33**
